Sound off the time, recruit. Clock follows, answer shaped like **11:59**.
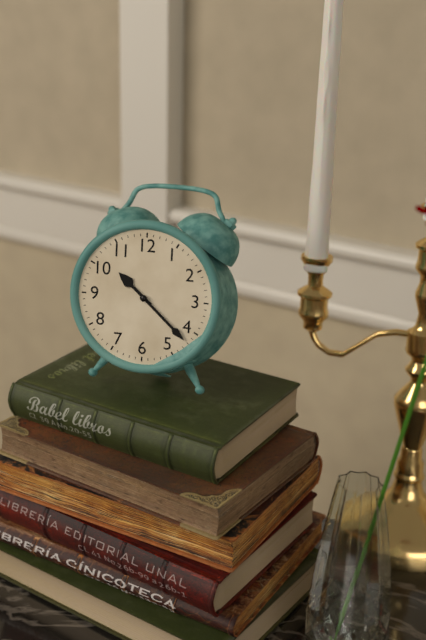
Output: **10:22**
